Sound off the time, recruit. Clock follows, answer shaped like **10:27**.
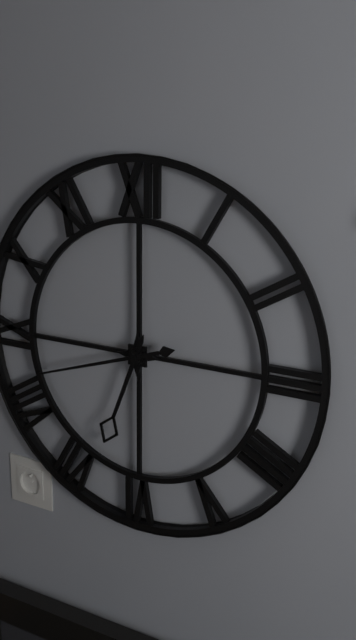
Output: **6:42**
